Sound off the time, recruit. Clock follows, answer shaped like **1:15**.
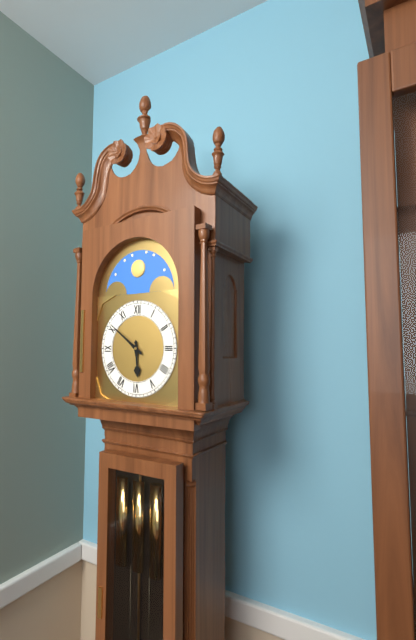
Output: **5:51**
